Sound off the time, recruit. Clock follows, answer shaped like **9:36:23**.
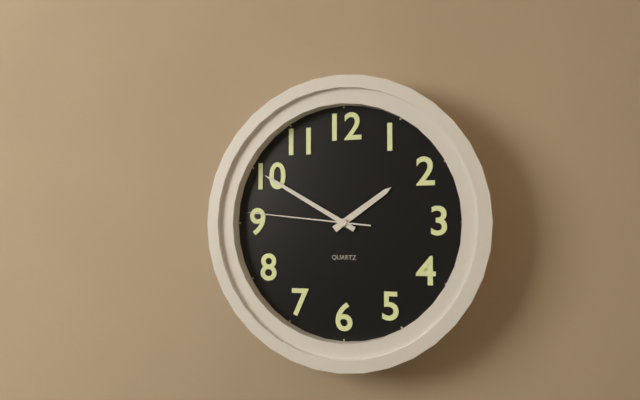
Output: **1:50:46**
